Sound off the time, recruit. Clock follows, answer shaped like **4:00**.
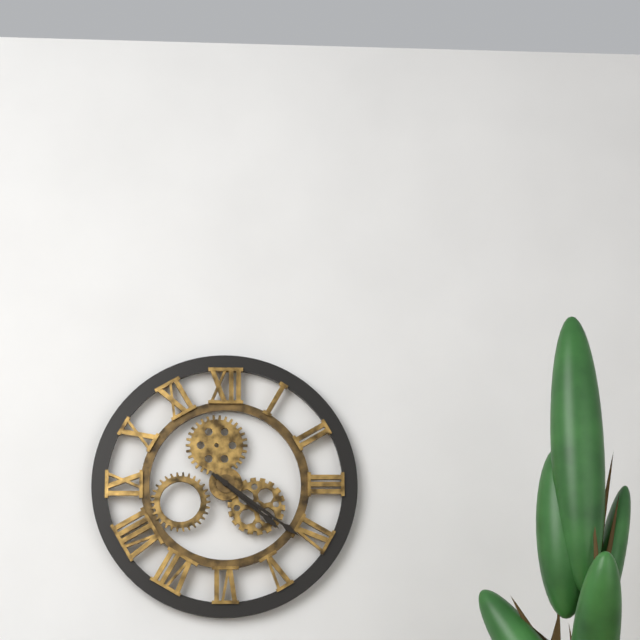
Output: **4:21**
